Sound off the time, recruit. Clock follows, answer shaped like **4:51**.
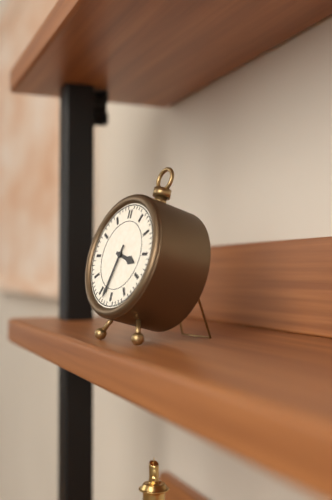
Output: **3:33**
